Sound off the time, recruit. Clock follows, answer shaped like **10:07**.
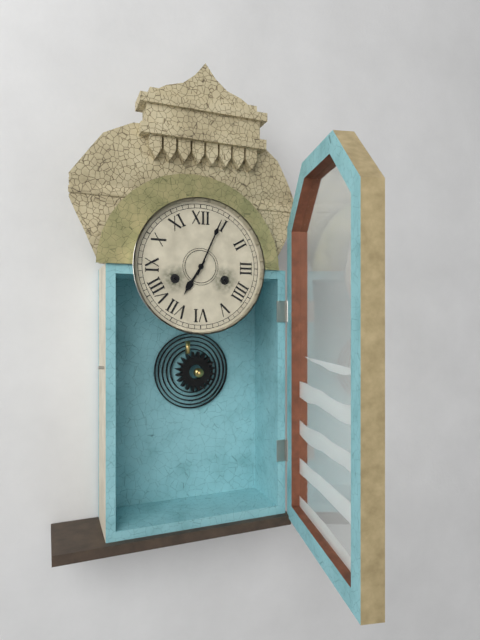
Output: **7:04**
